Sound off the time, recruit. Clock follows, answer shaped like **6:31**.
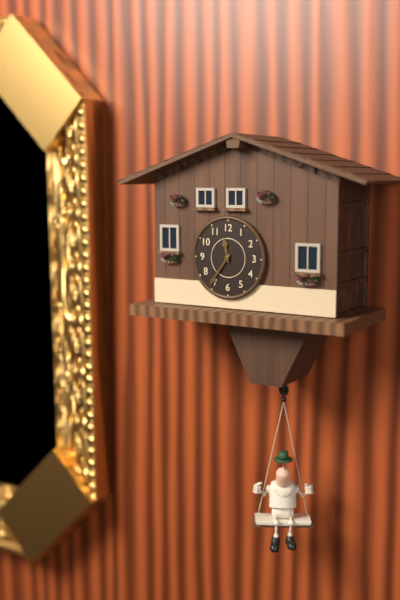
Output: **11:36**
